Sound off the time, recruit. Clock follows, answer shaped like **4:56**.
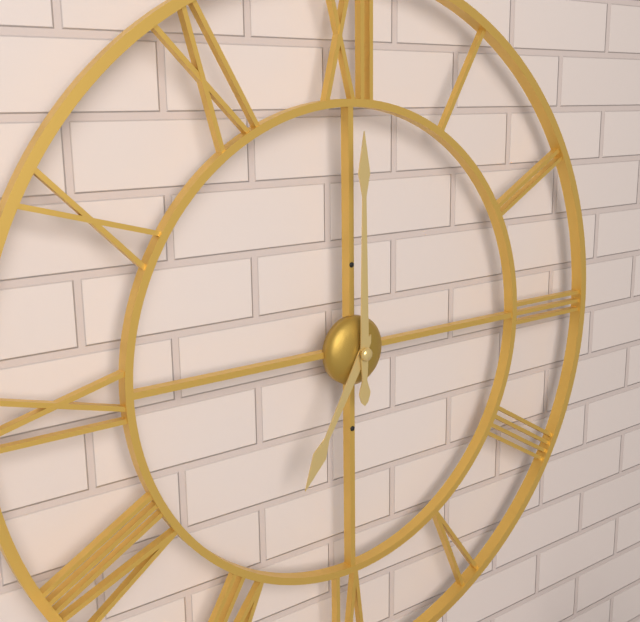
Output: **7:00**
